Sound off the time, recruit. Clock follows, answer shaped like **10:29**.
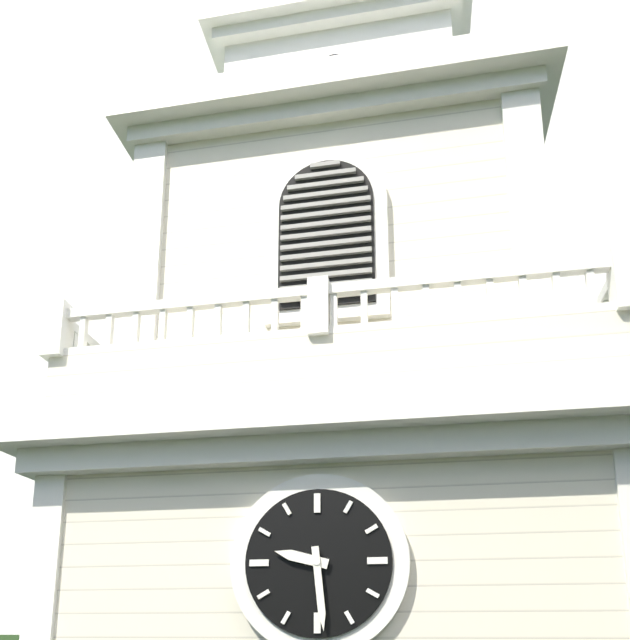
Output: **9:29**
